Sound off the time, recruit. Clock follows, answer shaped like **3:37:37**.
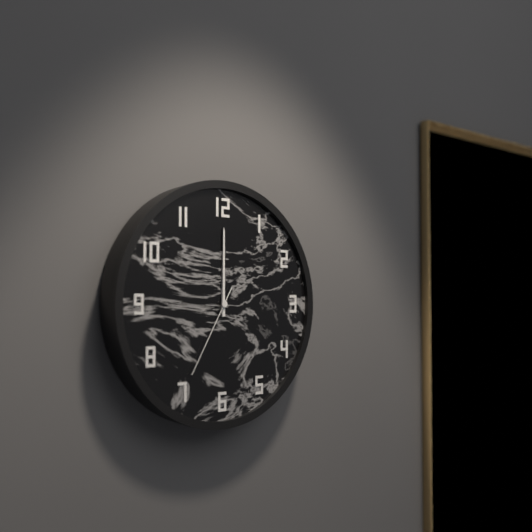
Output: **12:00:35**
